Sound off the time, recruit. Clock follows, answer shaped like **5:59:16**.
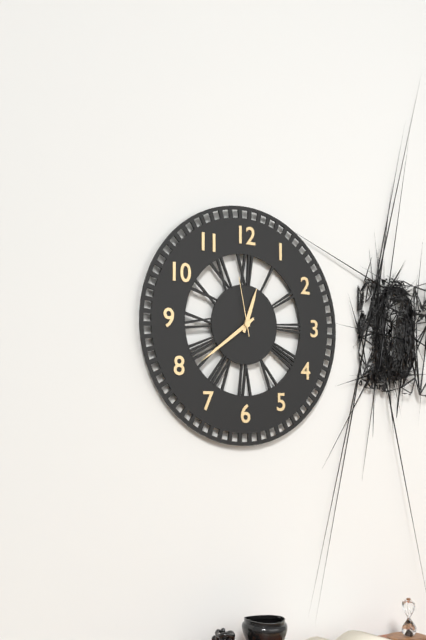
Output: **12:39:58**
